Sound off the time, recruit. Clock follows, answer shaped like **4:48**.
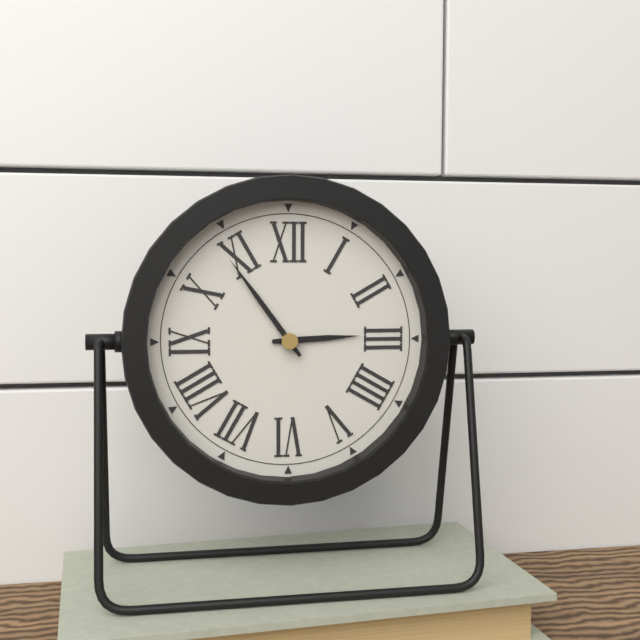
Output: **2:54**
